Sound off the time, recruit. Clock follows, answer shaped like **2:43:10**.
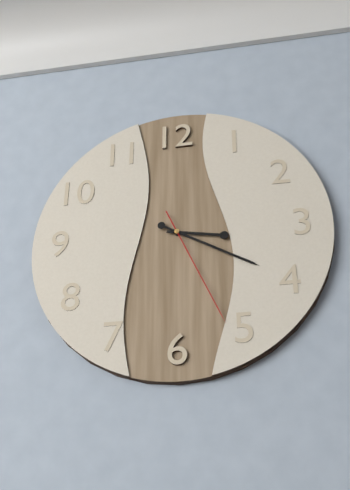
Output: **3:20:26**
